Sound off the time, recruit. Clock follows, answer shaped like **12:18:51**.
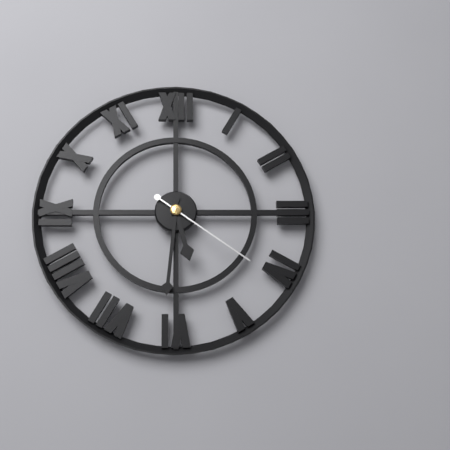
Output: **5:31:21**
